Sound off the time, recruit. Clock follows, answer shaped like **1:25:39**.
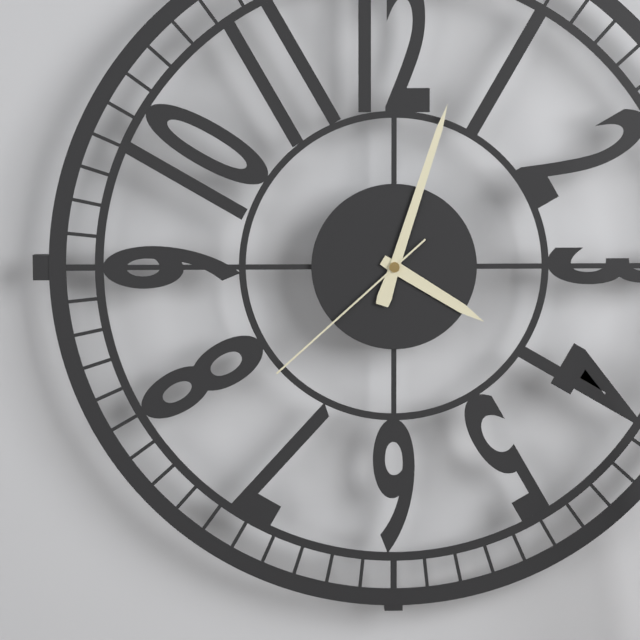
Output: **4:03:38**
